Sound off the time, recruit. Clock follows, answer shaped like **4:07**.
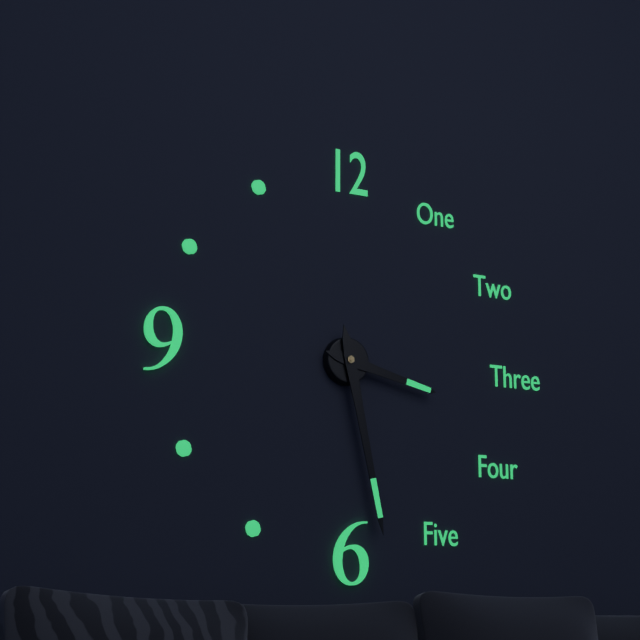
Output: **3:28**
